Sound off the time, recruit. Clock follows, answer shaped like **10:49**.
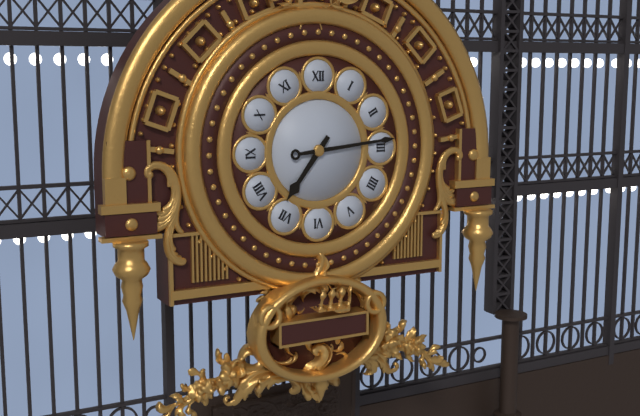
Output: **7:14**
